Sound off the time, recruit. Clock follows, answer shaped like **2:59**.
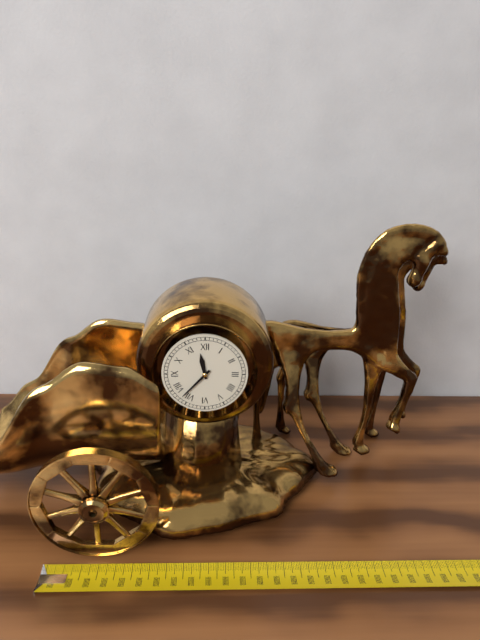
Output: **11:37**
